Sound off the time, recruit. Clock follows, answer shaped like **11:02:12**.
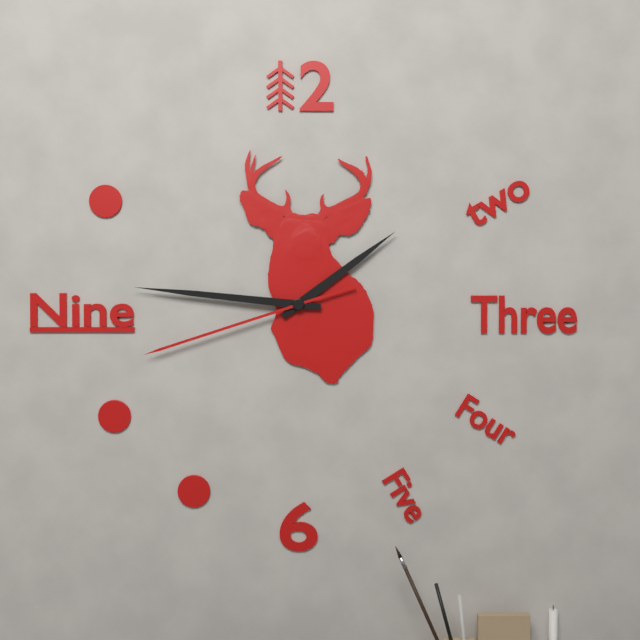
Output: **1:46:42**
